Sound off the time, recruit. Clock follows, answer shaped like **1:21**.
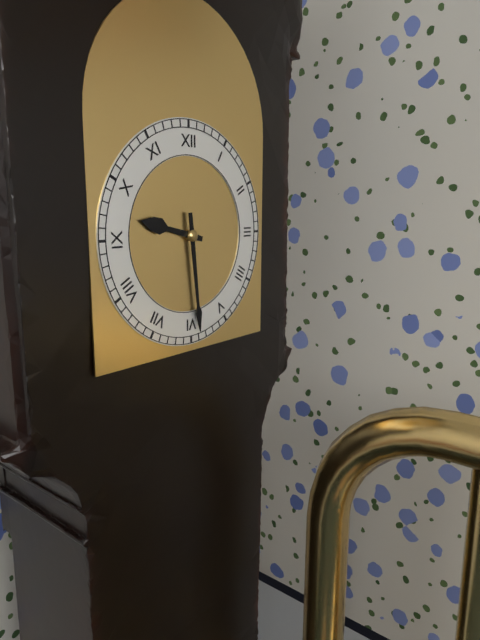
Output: **9:29**
